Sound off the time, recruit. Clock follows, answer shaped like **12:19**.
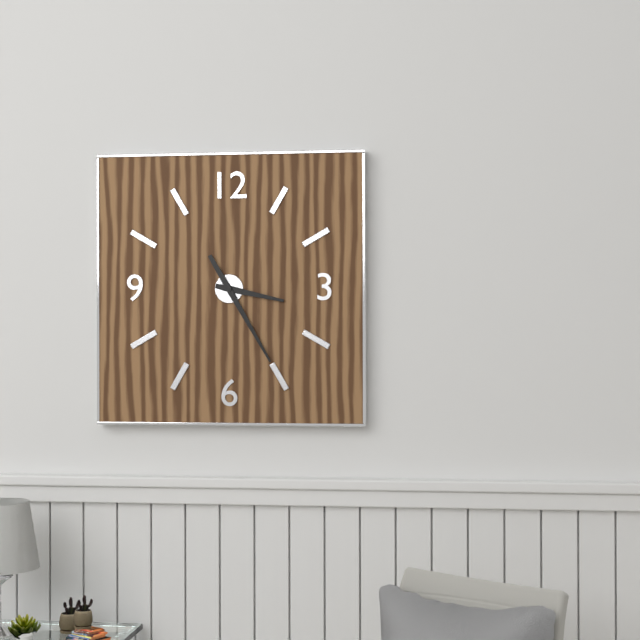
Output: **3:25**
